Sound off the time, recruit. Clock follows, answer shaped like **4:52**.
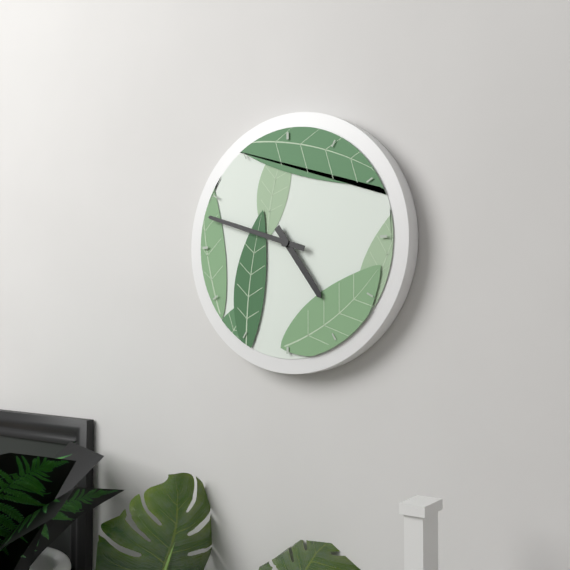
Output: **4:48**
